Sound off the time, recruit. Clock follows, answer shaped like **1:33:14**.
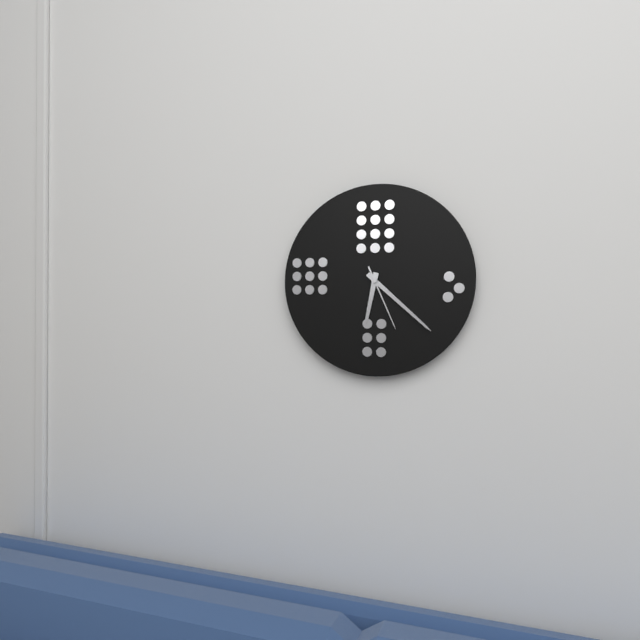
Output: **6:22:26**
